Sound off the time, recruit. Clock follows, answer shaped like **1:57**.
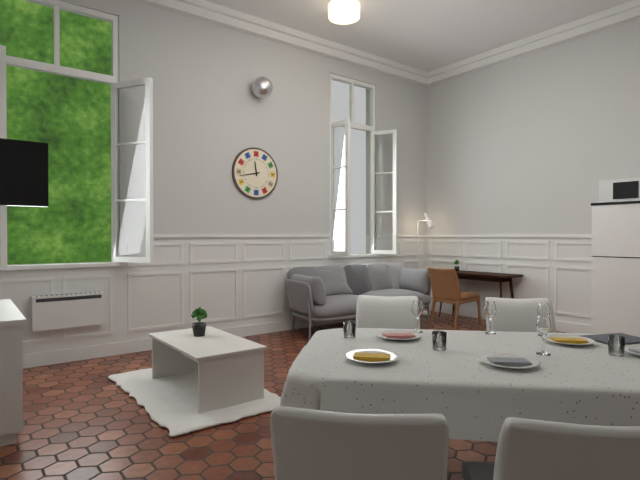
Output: **11:43**
